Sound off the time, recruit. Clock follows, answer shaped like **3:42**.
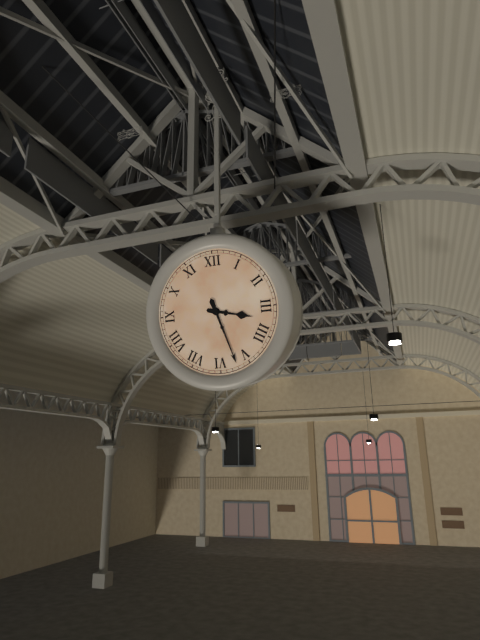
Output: **3:27**
